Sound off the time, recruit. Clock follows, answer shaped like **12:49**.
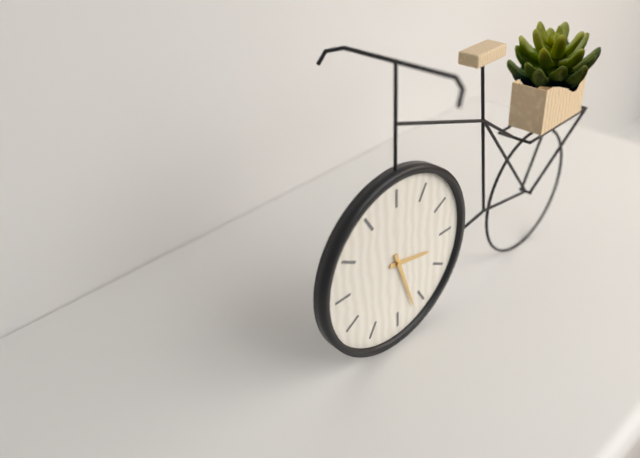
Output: **3:27**
